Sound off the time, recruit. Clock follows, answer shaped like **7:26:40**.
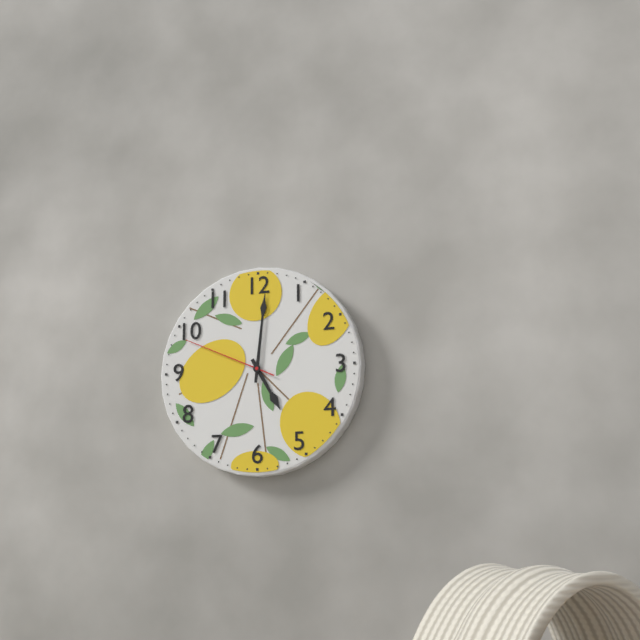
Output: **5:01:49**
